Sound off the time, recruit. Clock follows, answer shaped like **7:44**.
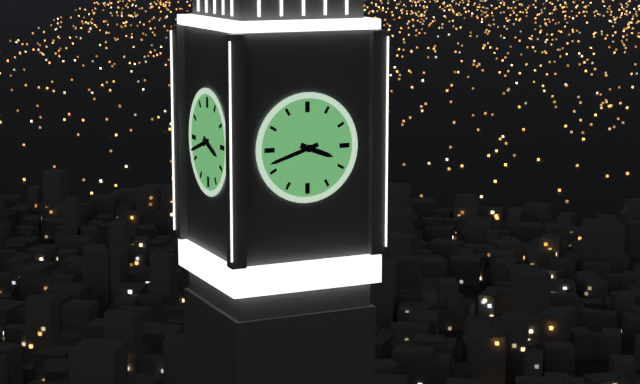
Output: **3:42**
